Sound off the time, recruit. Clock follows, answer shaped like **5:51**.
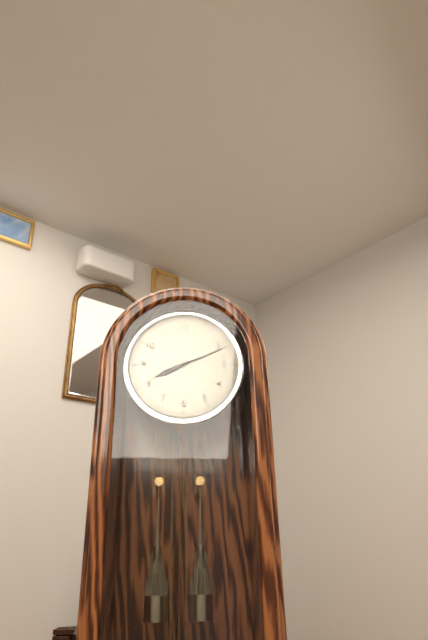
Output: **8:11**
